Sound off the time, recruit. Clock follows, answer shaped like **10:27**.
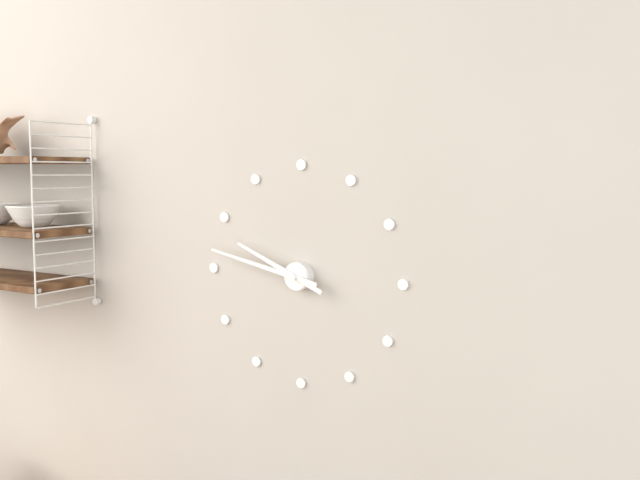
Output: **9:47**
